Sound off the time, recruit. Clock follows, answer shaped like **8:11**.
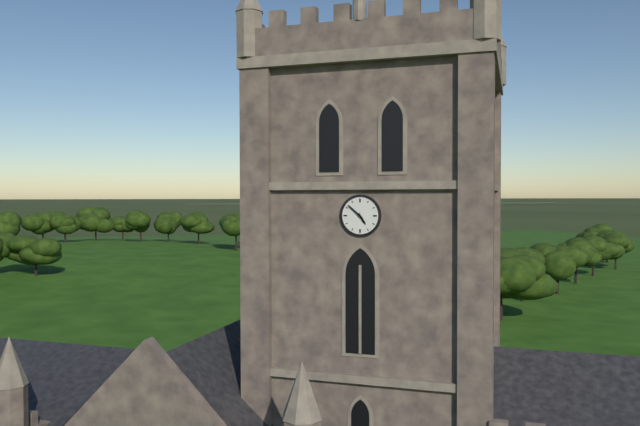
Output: **4:52**
